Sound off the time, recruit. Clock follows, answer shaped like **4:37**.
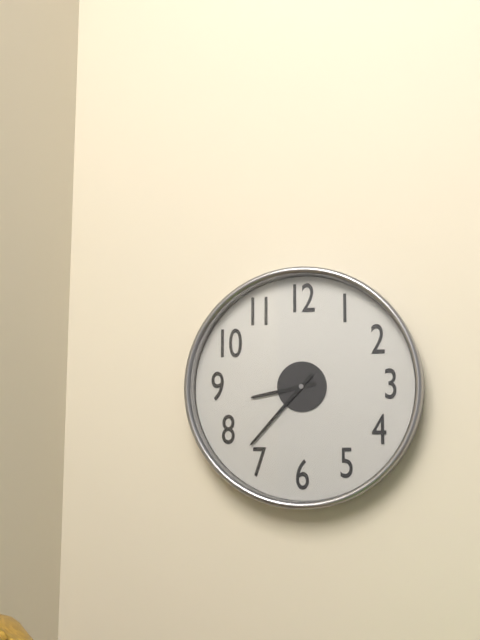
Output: **8:37**
